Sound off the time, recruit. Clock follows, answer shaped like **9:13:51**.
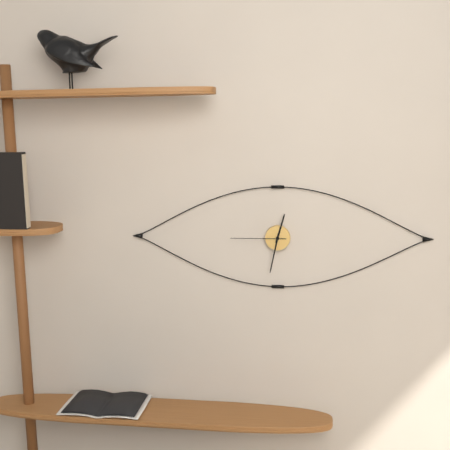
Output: **12:32:45**
